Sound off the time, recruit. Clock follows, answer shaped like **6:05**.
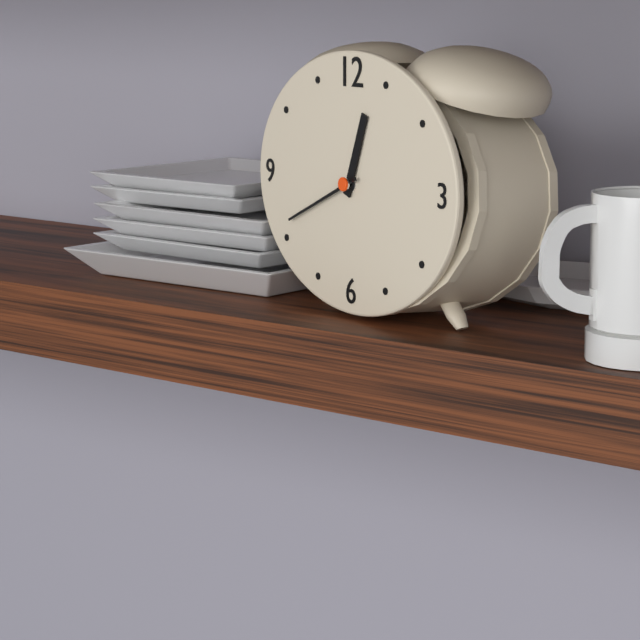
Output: **12:41**
